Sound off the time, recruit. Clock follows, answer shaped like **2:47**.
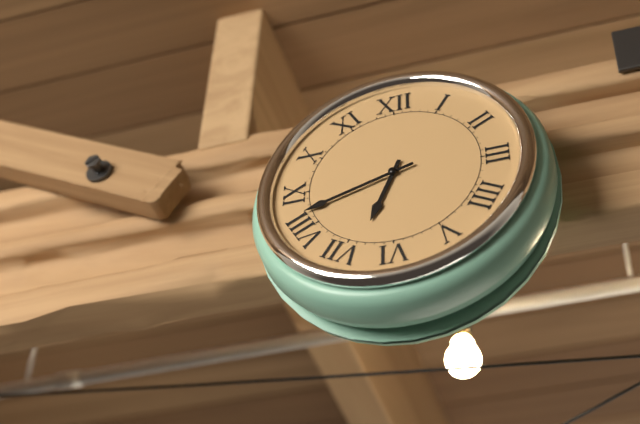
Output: **6:42**
